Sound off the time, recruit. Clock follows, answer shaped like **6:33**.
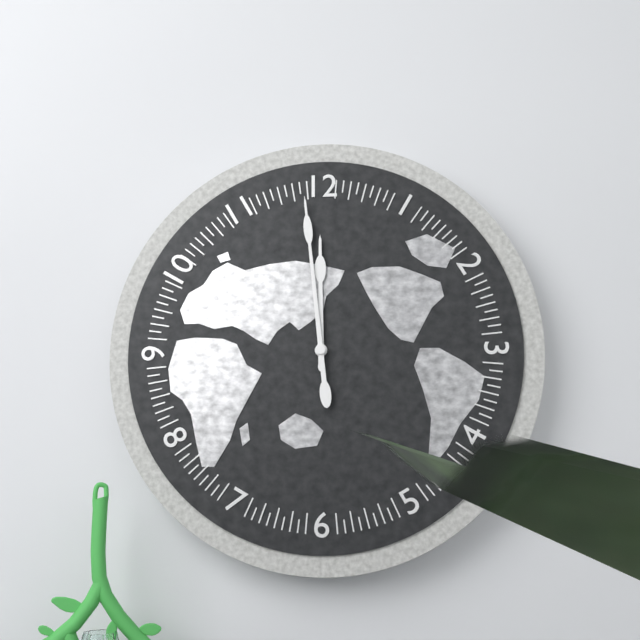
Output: **11:59**
